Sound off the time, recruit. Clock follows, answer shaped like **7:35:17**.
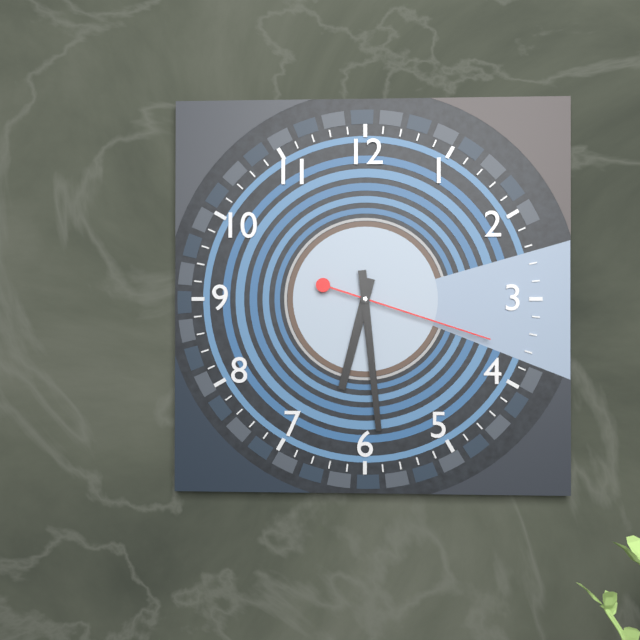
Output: **6:29:18**
